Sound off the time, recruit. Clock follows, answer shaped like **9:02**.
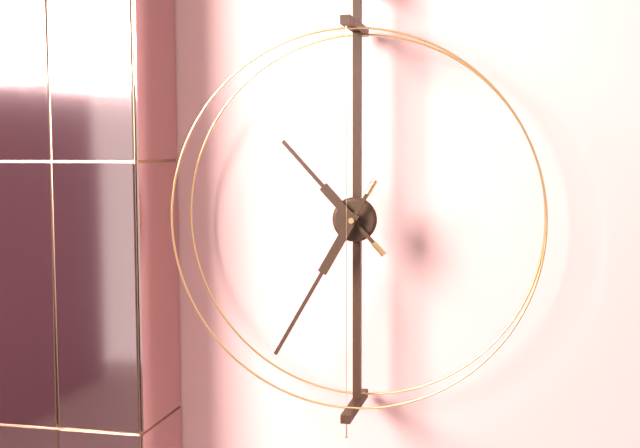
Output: **10:35**
